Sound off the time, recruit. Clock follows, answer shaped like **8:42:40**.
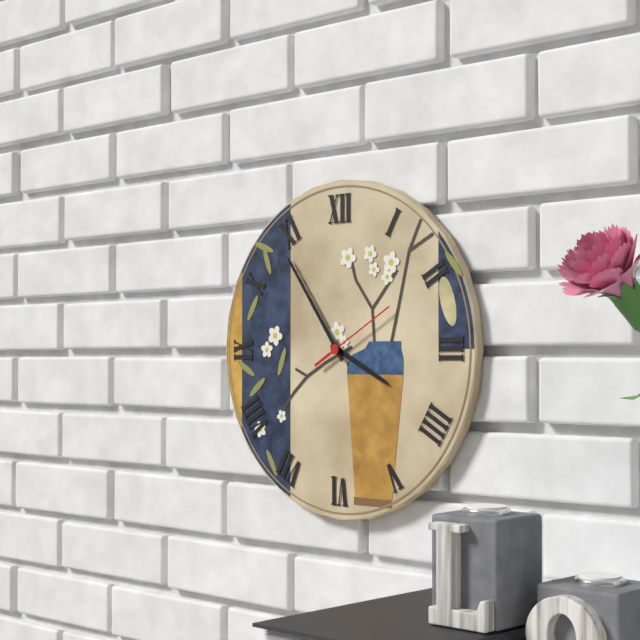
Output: **3:54:10**
